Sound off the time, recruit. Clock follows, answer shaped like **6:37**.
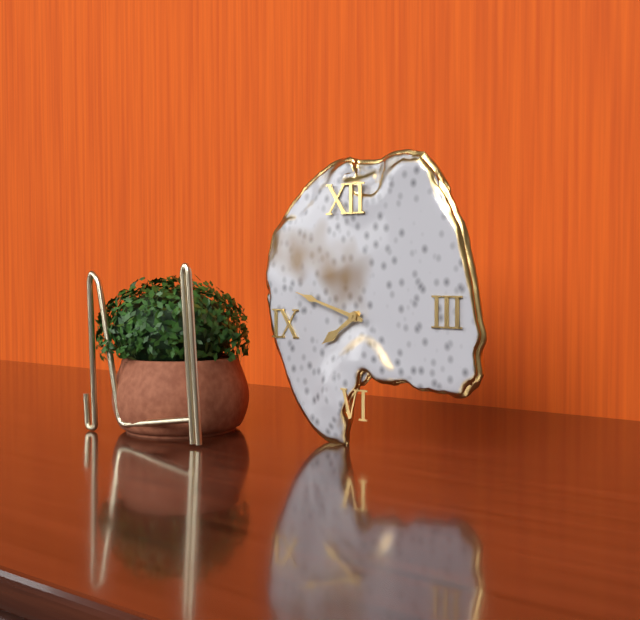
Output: **7:48**
